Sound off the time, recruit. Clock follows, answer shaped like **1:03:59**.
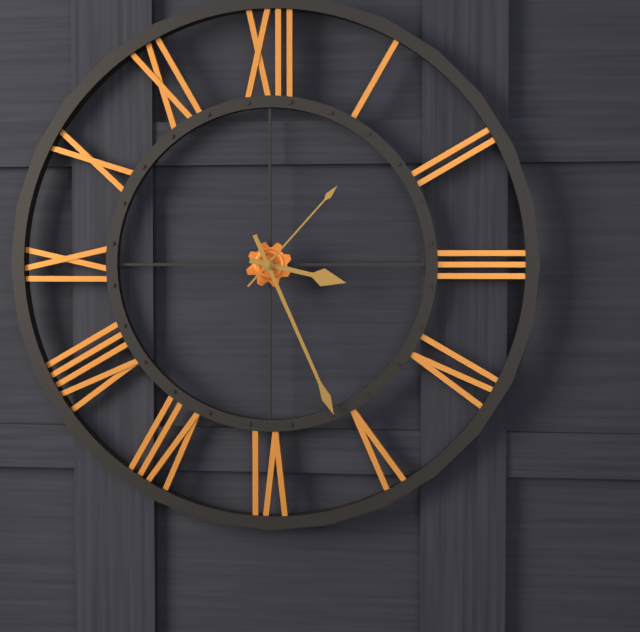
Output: **3:26:07**
